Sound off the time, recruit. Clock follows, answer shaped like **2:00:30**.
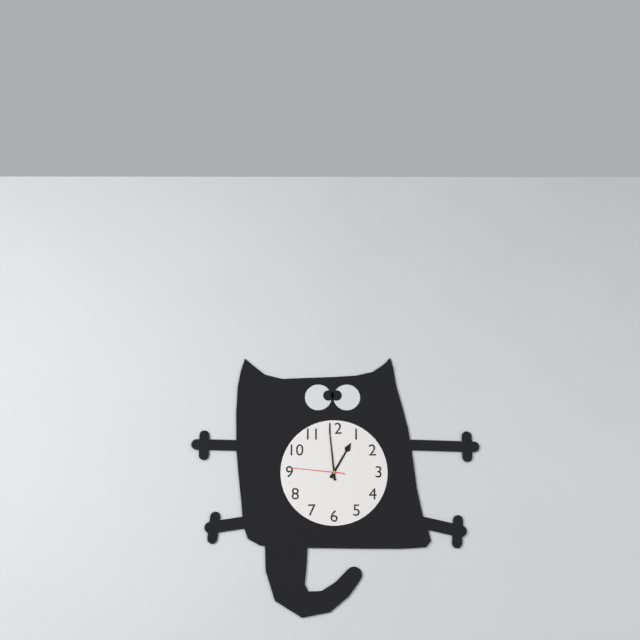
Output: **12:59:46**
